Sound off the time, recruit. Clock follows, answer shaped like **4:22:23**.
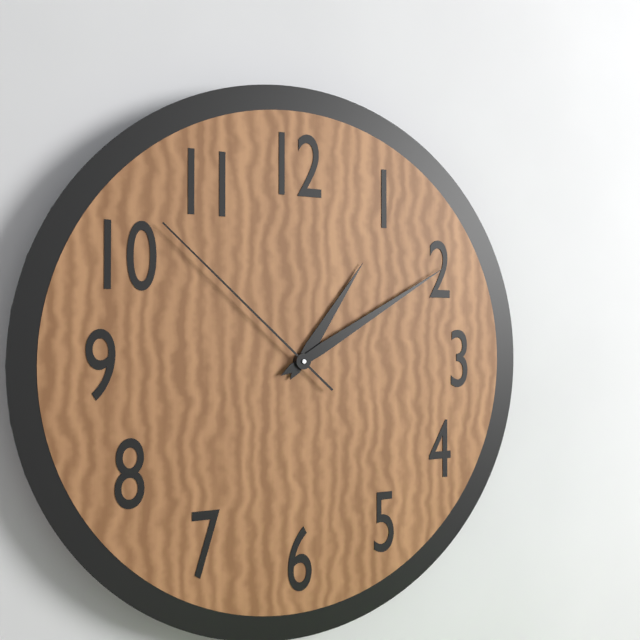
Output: **1:10:52**
